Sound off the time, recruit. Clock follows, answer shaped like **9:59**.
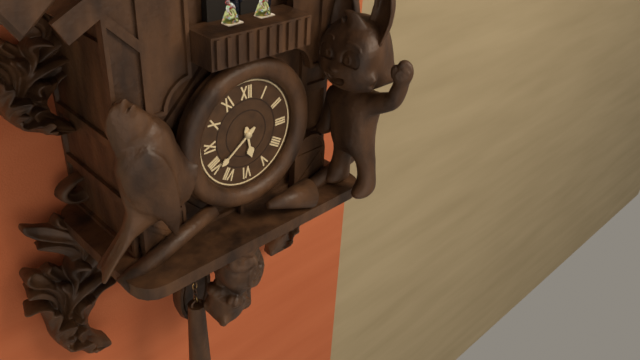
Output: **5:39**
